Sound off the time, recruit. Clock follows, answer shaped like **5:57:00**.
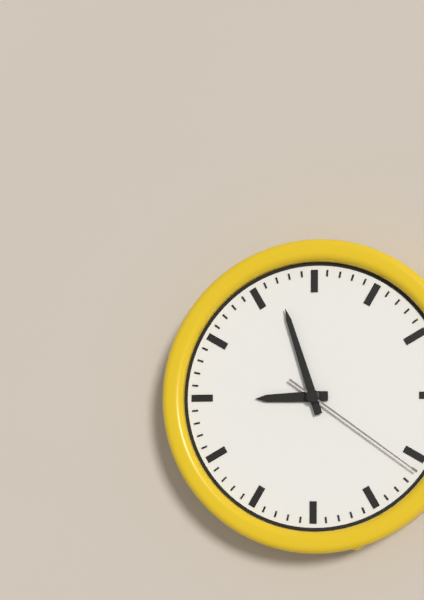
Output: **8:57:21**
